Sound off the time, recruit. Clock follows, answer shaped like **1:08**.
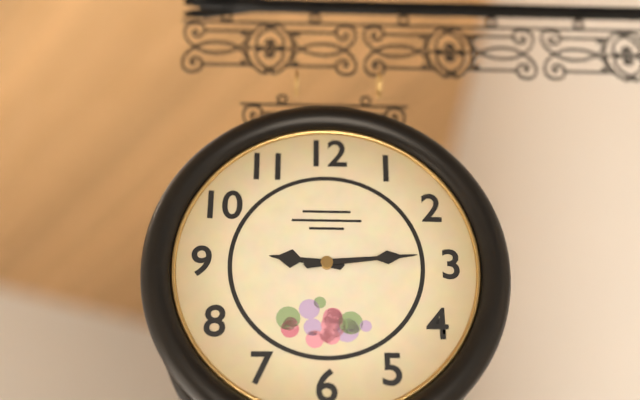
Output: **9:14**
